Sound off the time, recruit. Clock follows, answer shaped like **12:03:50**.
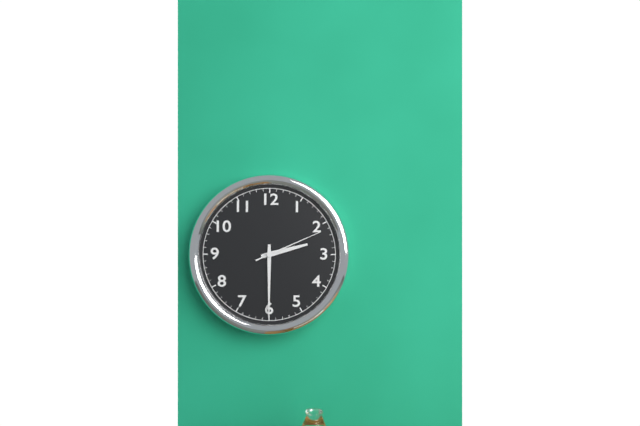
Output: **2:30:11**
